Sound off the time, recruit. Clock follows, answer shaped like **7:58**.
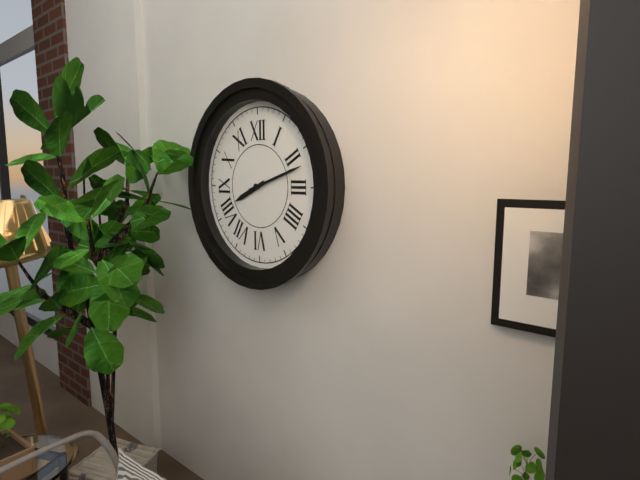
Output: **8:12**
